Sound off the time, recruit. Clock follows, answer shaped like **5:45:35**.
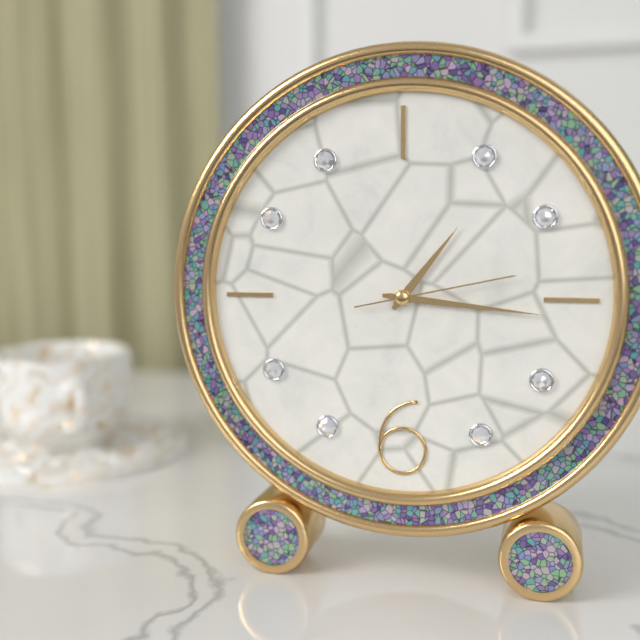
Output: **1:16:13**
